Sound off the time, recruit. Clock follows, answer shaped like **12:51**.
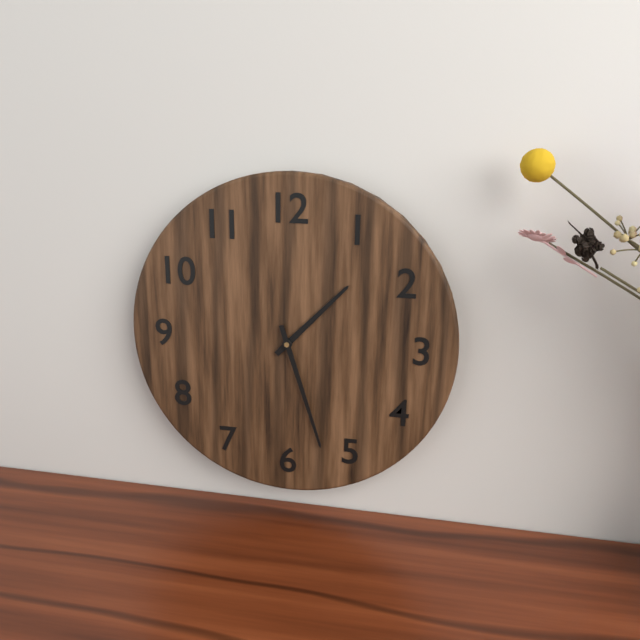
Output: **1:27**
